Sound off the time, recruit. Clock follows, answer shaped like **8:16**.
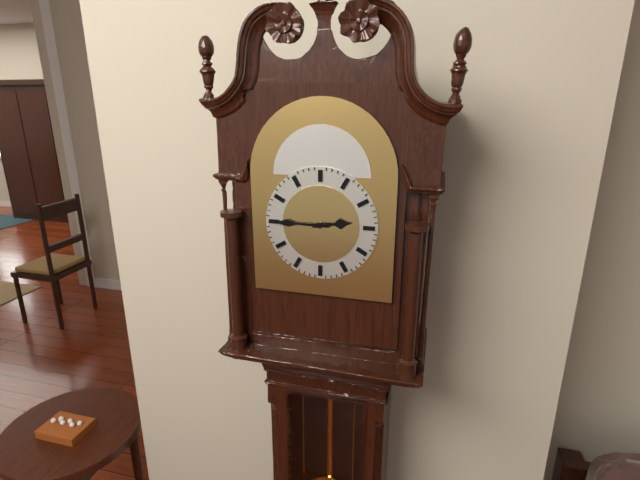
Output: **2:45**
